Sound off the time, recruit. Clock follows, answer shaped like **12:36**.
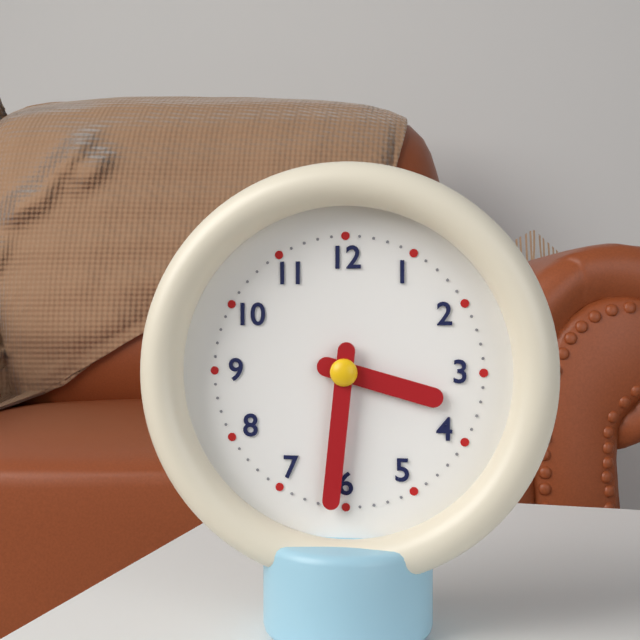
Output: **3:31**
